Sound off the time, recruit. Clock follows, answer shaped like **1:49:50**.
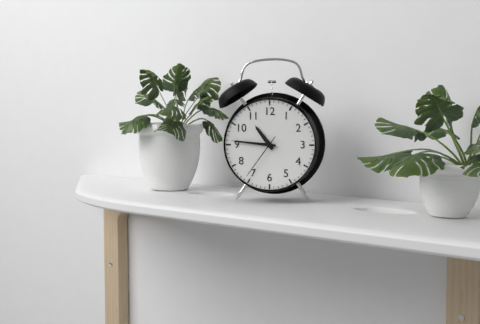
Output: **10:46:36**
